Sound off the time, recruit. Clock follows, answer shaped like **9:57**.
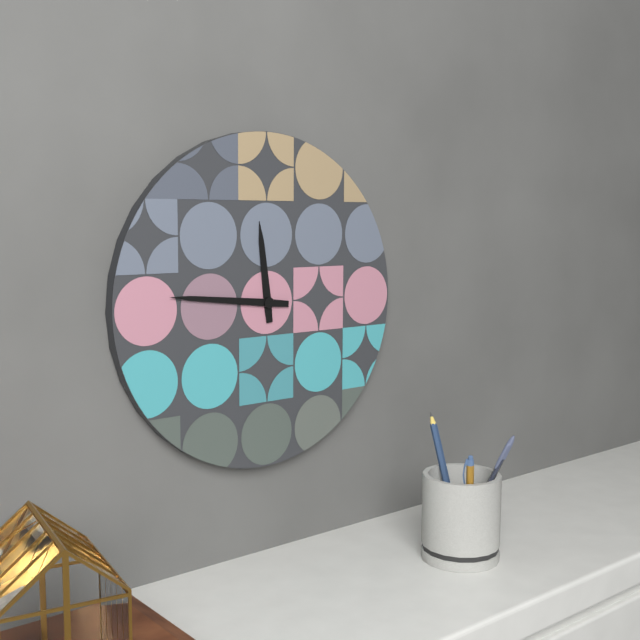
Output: **11:46**
